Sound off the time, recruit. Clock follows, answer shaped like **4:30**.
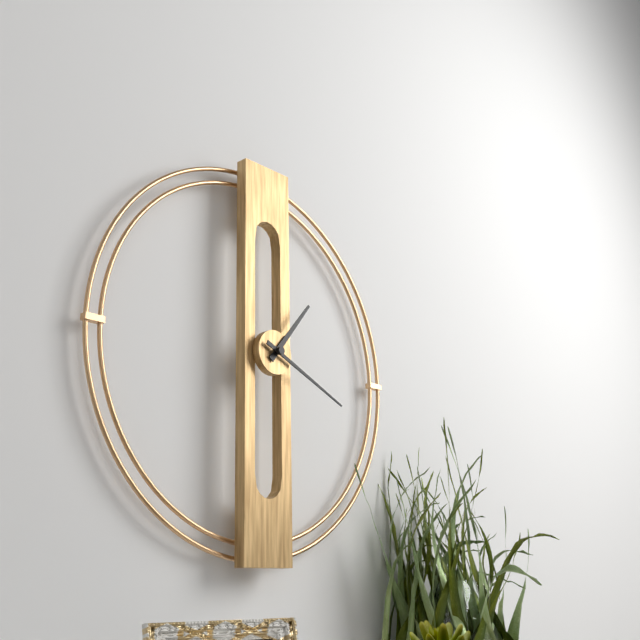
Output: **1:19**
